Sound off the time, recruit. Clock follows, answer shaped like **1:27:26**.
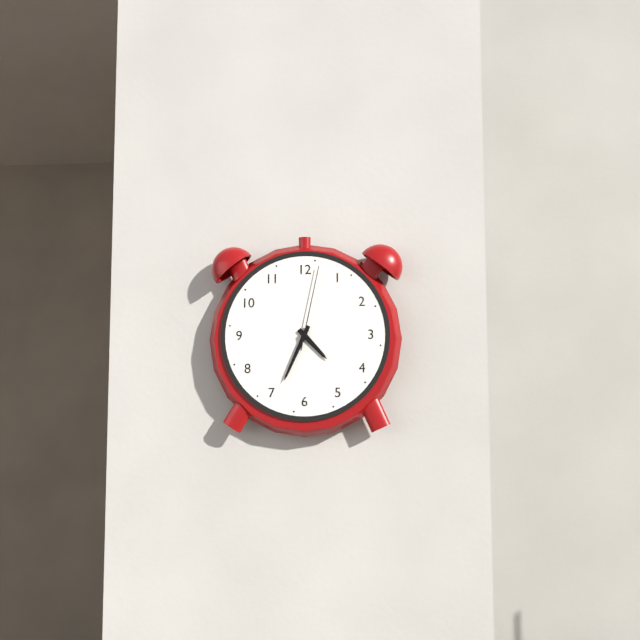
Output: **4:34:02**
